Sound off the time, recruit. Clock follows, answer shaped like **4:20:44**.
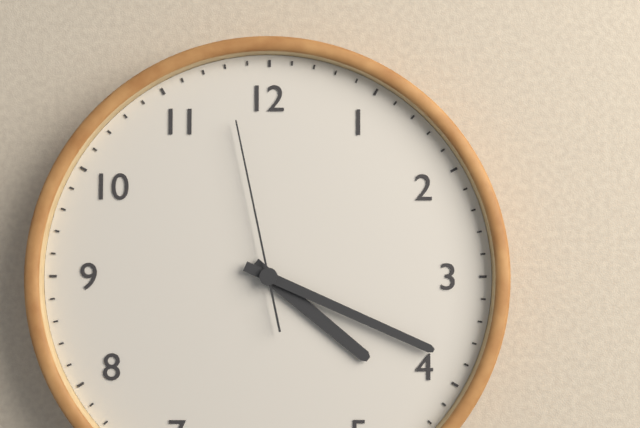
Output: **4:19:58**
